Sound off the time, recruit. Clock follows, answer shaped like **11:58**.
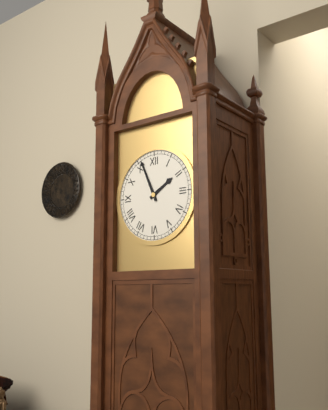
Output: **1:56**
